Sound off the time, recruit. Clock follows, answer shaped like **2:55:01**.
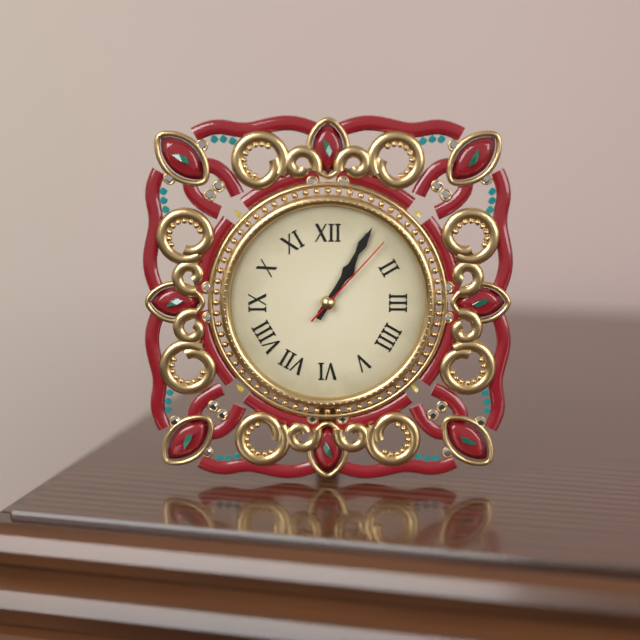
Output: **1:05:07**
